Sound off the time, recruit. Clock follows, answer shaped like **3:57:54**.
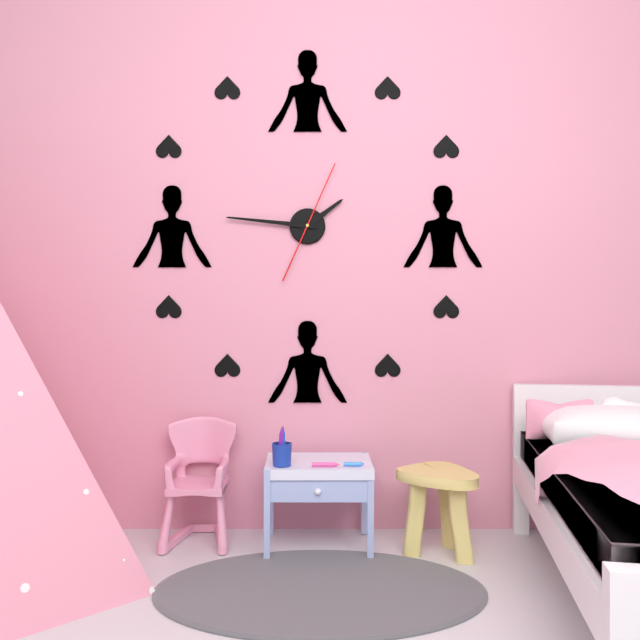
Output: **1:46:04**
